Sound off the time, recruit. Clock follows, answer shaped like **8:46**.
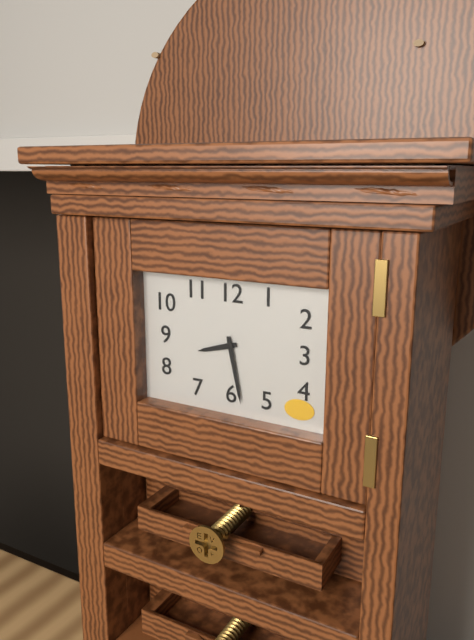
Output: **8:28**
